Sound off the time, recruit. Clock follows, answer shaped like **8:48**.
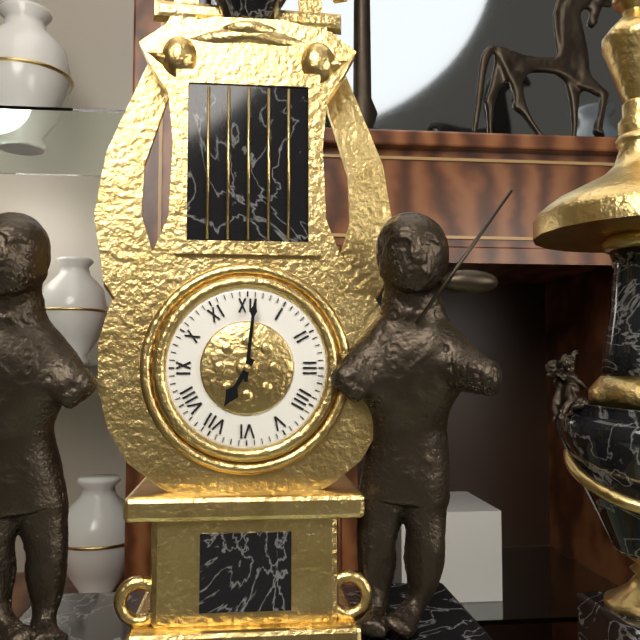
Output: **7:01**
